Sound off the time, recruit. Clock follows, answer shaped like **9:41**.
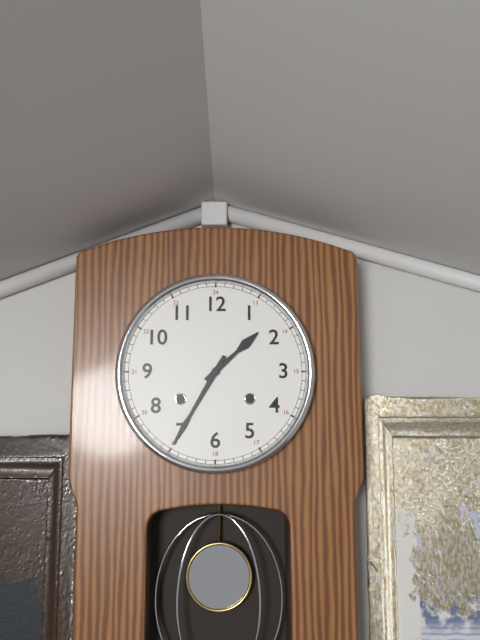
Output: **1:35**
